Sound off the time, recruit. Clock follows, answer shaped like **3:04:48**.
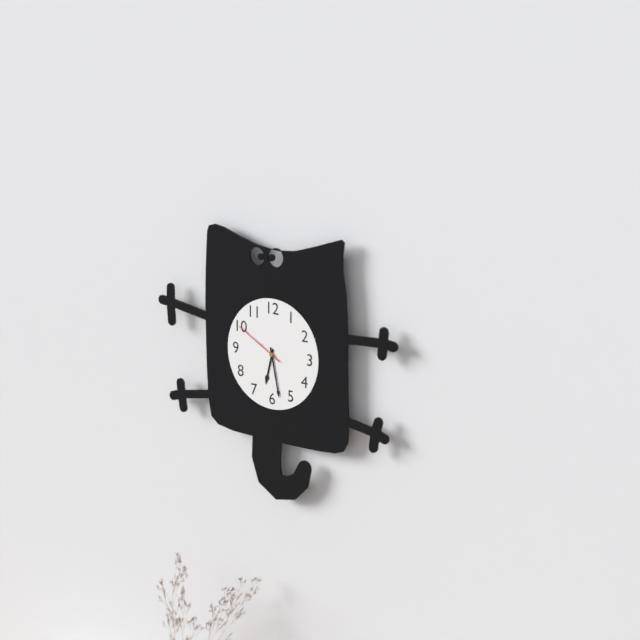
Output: **6:28:50**
